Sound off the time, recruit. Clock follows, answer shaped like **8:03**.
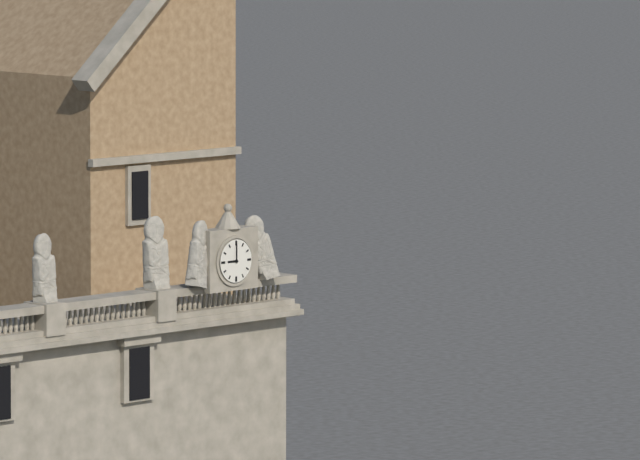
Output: **9:00**
